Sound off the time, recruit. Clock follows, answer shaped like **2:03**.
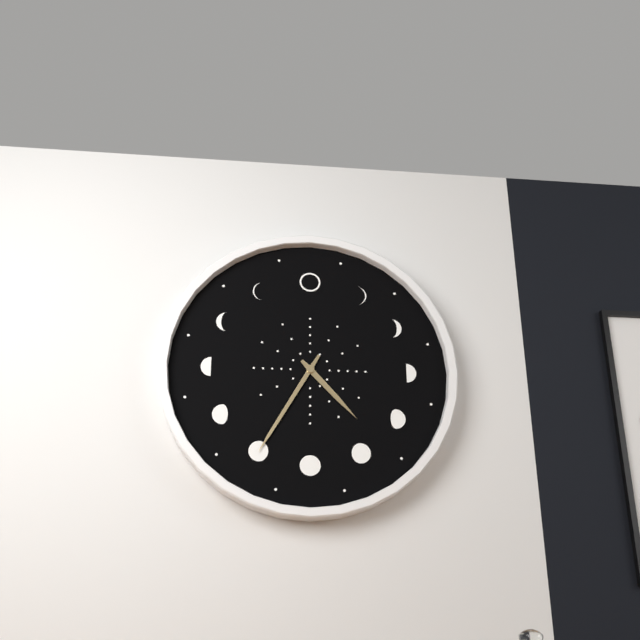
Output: **4:35**
